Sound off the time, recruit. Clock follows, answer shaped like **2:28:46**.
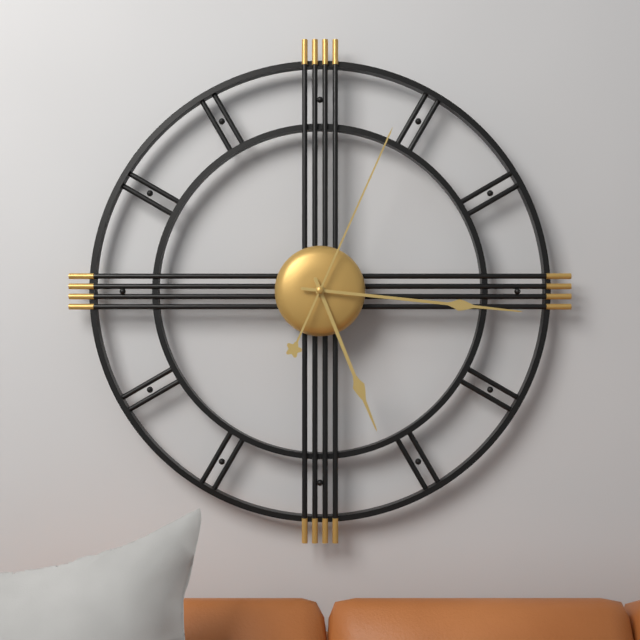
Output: **5:16:04**
